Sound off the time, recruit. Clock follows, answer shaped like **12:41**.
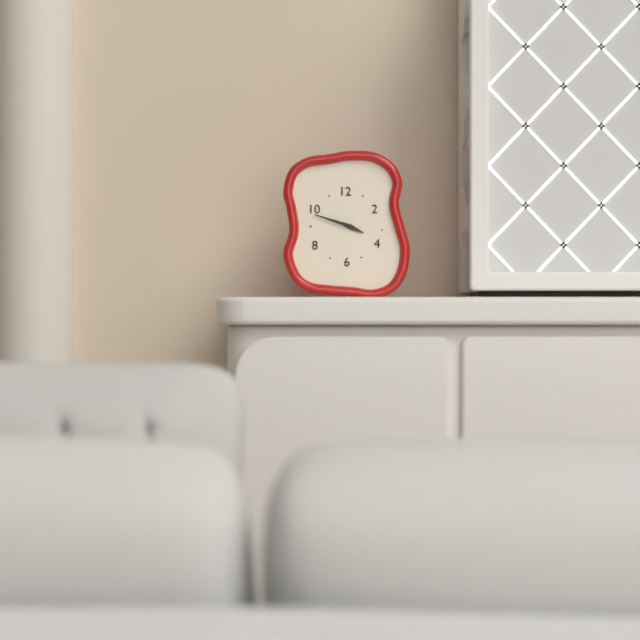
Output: **3:48**
